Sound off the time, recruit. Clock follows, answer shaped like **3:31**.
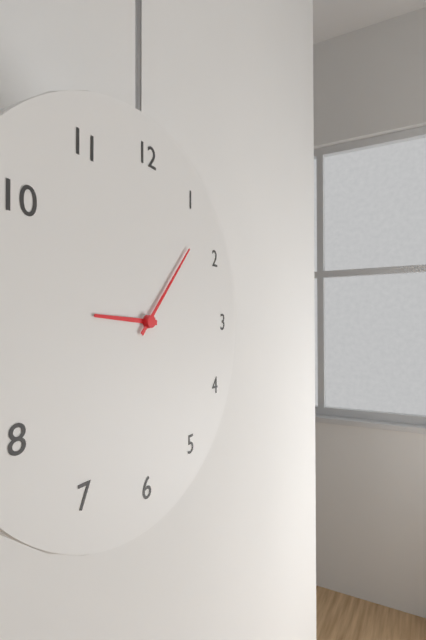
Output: **9:07**
